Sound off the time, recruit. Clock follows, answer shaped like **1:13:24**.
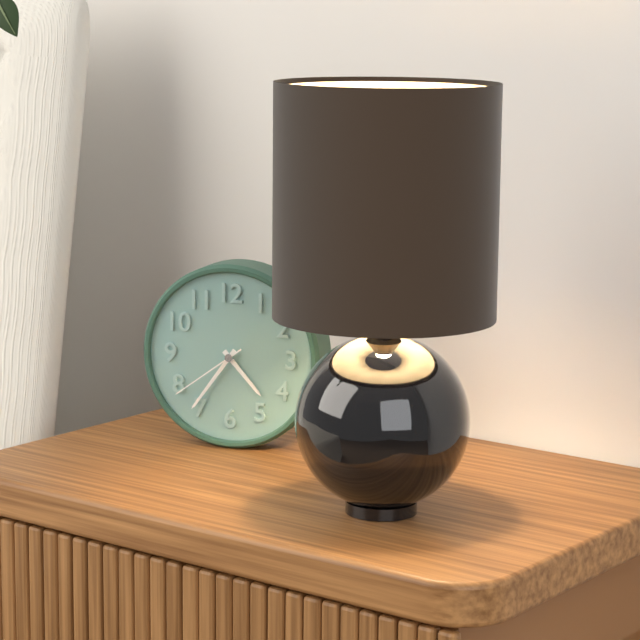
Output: **4:36:39**
